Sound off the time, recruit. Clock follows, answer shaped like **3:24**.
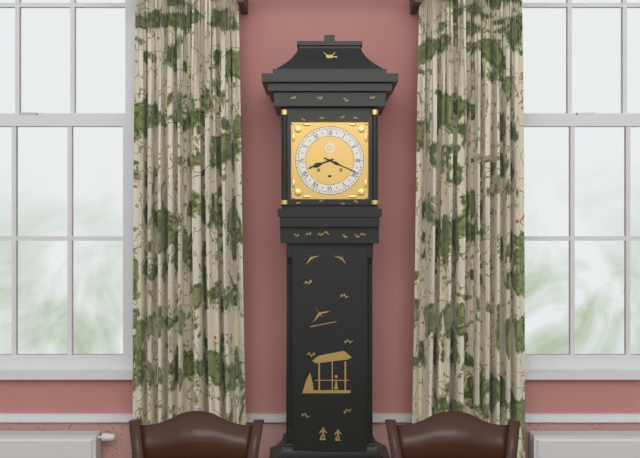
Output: **8:19**
